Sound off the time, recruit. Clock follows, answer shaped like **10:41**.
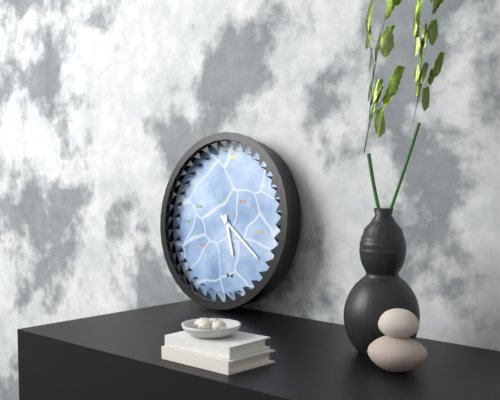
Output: **5:21**
